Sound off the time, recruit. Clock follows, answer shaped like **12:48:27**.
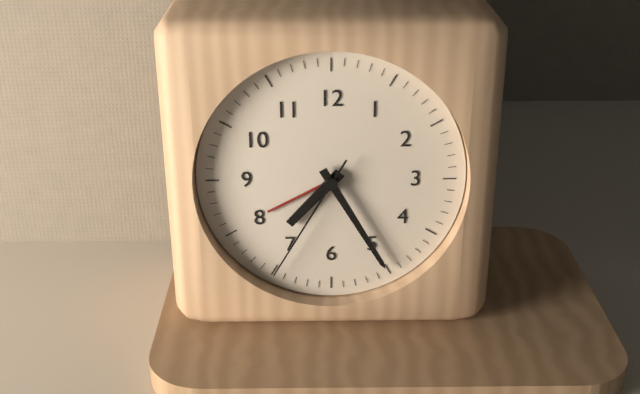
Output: **7:25:35**
